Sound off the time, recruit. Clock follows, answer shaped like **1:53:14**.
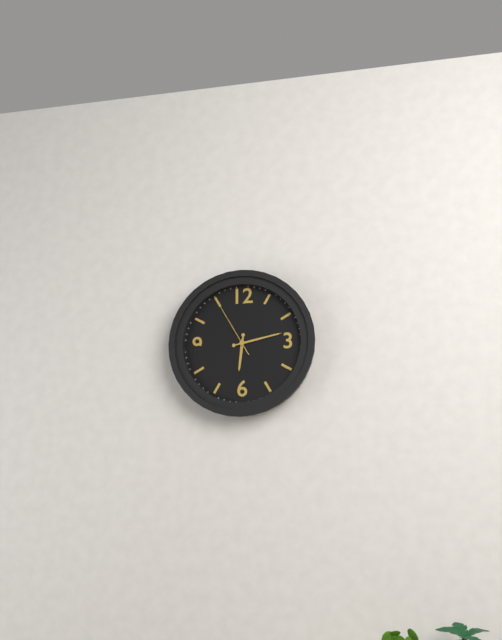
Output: **6:13:55**
